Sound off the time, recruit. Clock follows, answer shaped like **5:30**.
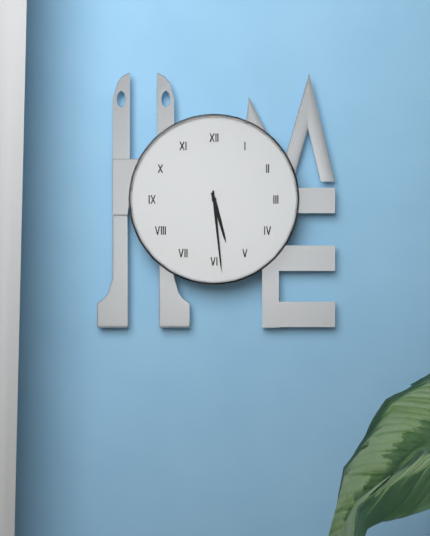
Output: **5:29**
